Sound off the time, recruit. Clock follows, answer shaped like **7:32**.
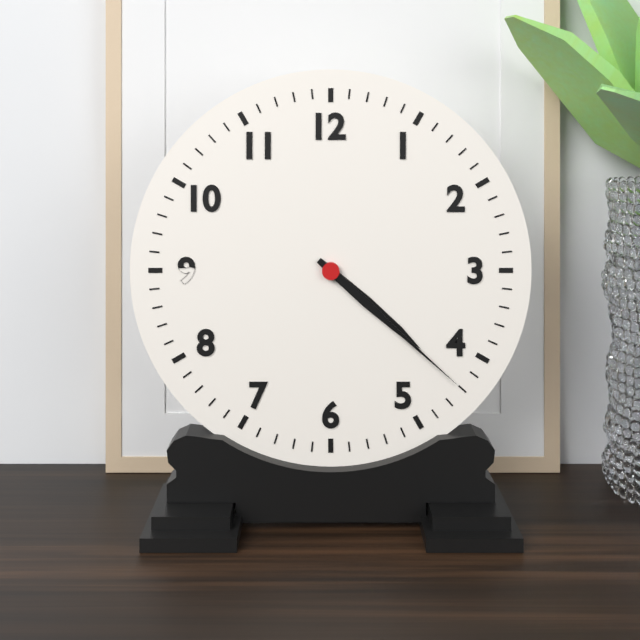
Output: **4:22**
